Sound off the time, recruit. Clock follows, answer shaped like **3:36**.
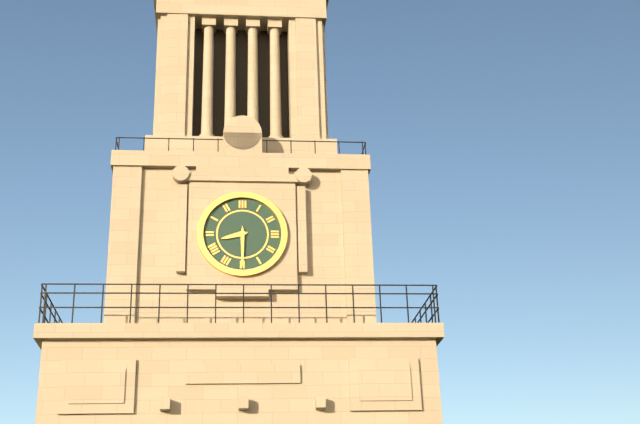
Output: **8:30**
